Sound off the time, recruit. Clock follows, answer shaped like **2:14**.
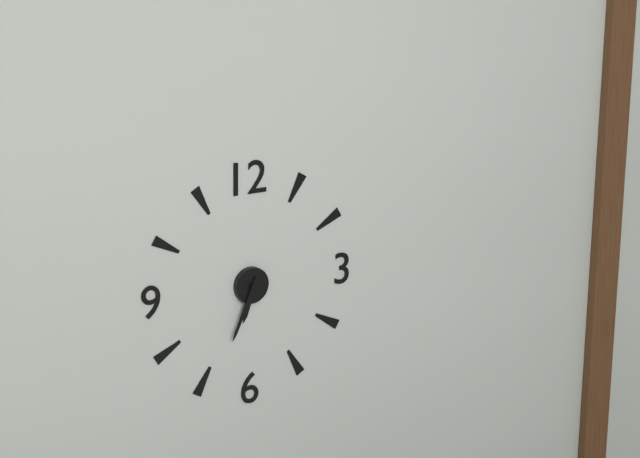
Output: **6:34**
